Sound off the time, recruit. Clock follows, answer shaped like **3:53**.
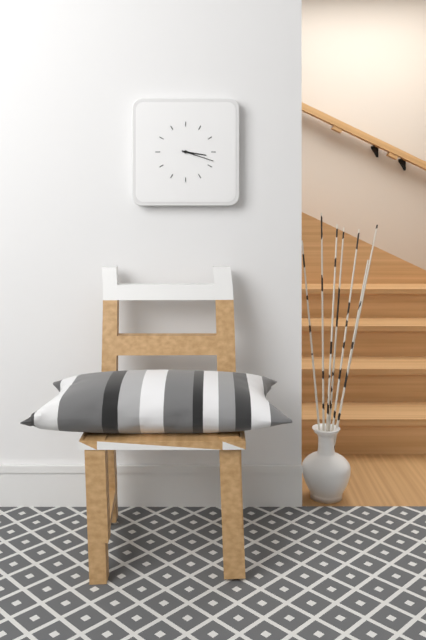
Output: **3:18**
